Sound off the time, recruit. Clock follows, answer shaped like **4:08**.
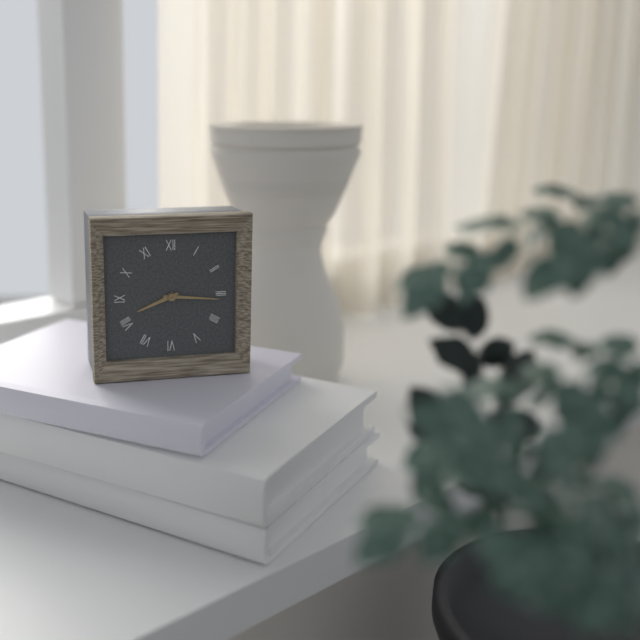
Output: **8:16**
